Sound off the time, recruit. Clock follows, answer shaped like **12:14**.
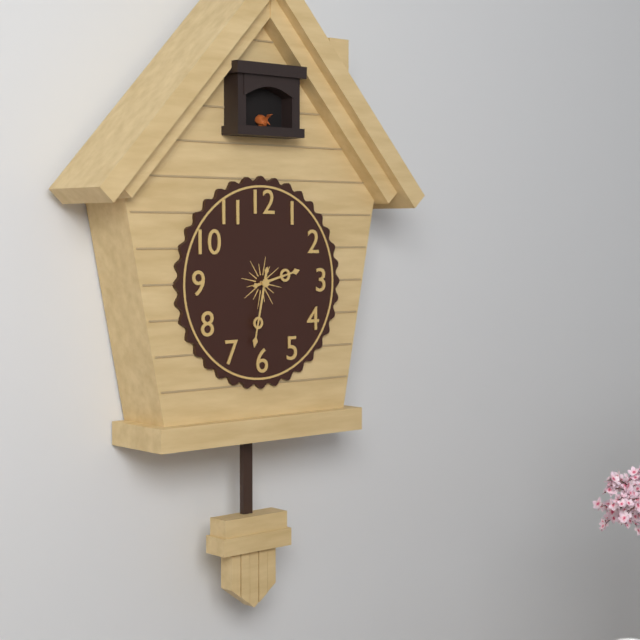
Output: **2:32**
